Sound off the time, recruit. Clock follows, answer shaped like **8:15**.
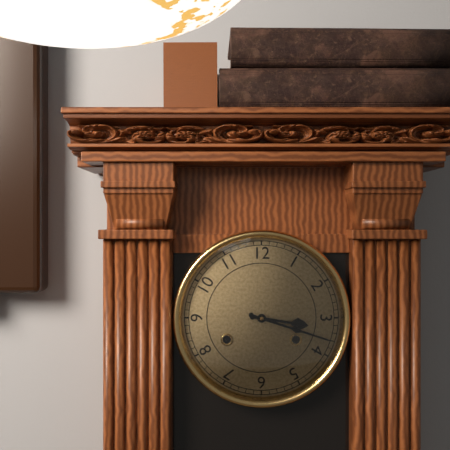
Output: **3:18**
